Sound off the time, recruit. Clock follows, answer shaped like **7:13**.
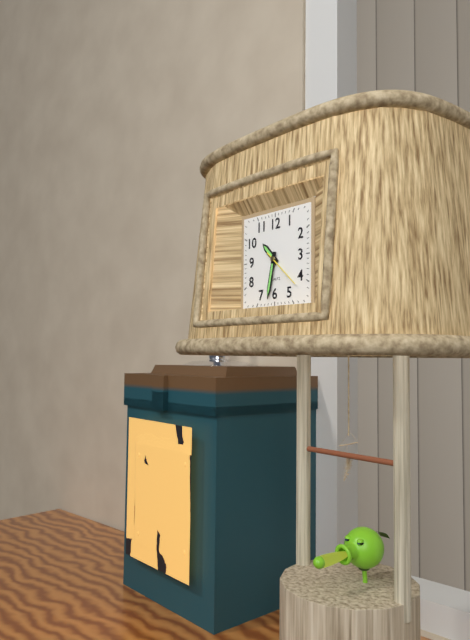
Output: **10:32**
